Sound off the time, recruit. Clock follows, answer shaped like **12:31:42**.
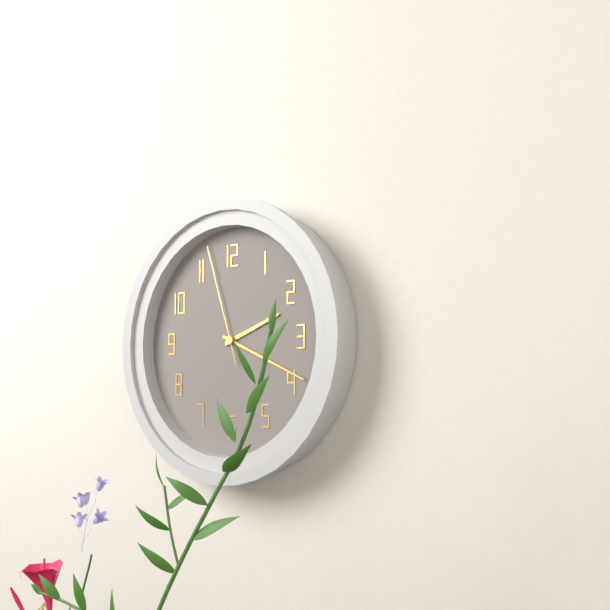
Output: **2:19:57**
